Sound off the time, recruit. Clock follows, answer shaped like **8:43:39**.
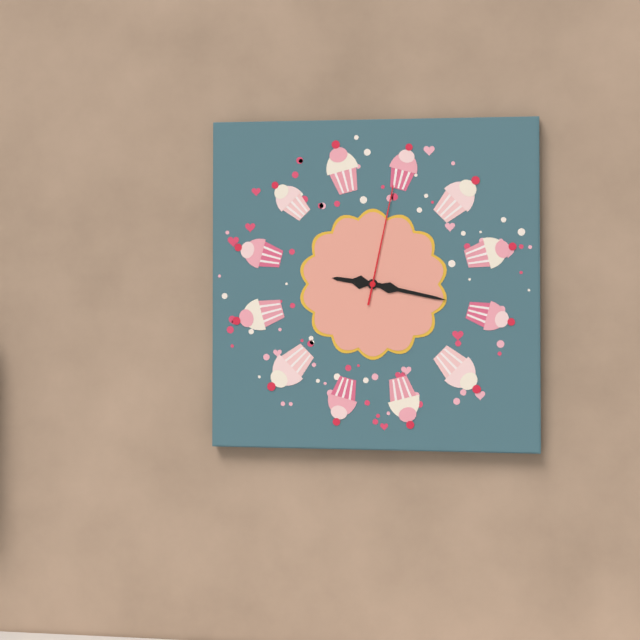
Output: **9:17:02**
